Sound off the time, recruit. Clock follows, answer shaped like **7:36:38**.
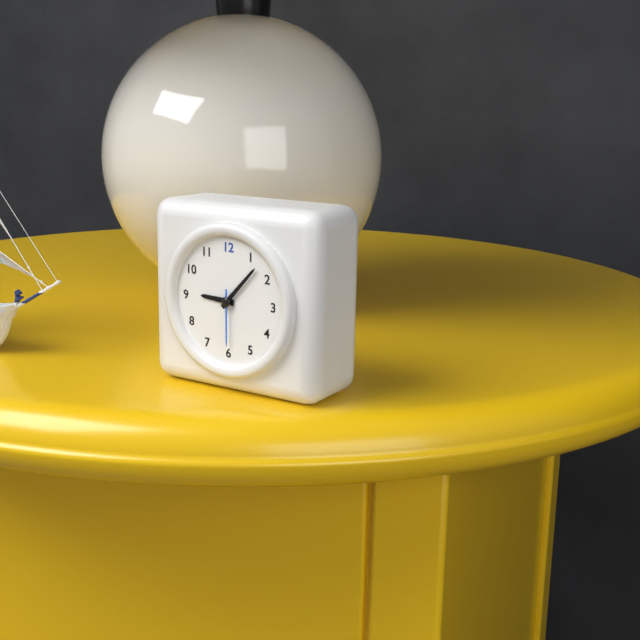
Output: **9:07:30**
